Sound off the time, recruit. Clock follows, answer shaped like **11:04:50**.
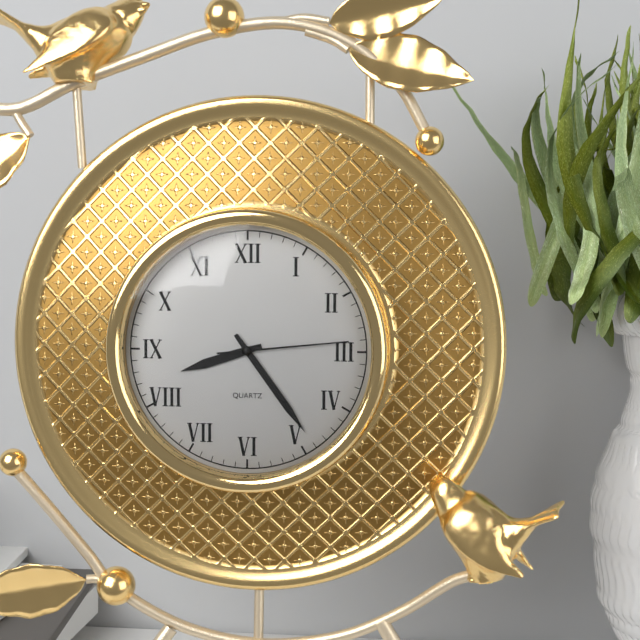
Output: **8:24:14**
